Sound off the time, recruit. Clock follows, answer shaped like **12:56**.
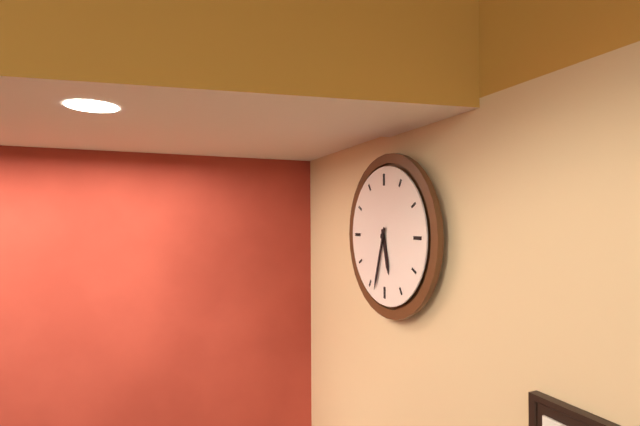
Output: **5:33**
